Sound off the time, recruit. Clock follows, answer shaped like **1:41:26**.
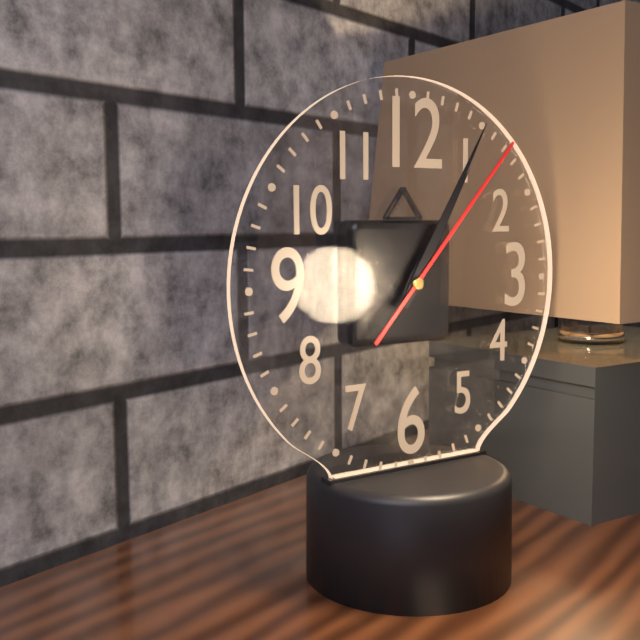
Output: **1:05:07**
